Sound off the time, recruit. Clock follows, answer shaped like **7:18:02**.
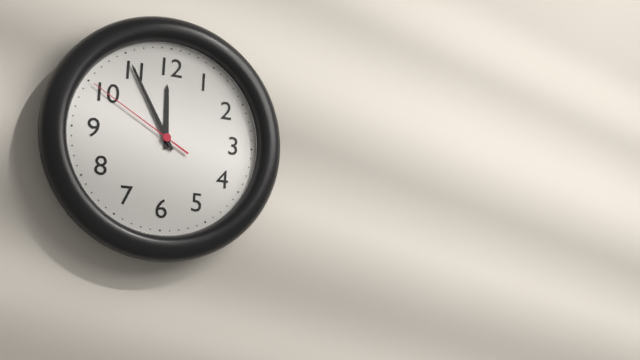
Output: **11:55:50**
